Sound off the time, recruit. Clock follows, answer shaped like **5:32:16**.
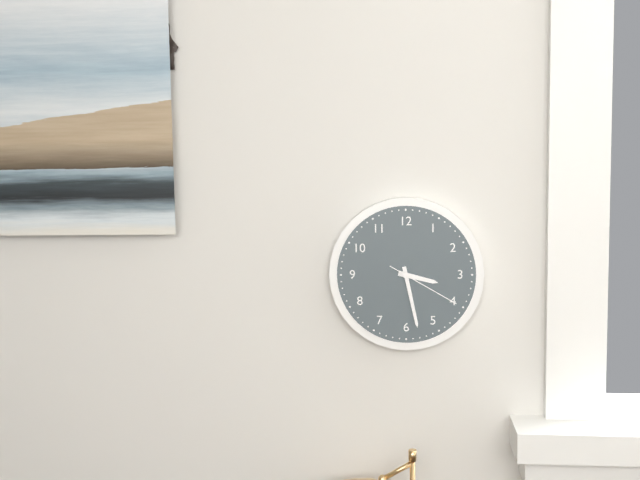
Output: **3:28:20**
